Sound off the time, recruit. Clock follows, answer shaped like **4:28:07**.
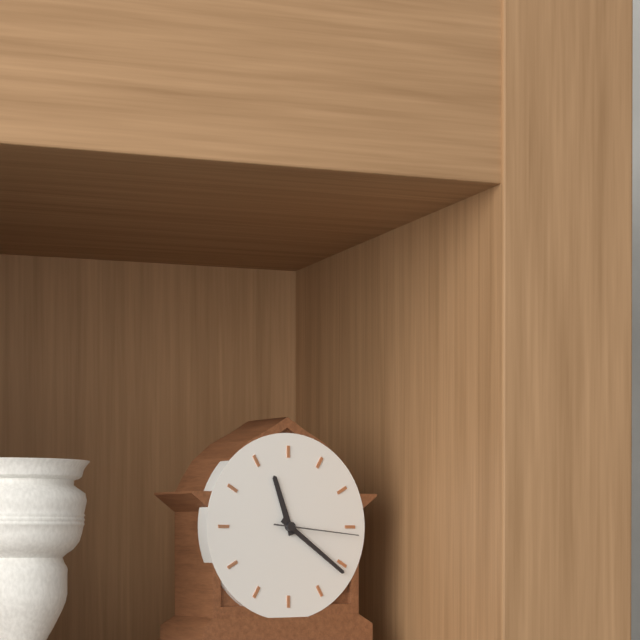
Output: **11:21:16**
